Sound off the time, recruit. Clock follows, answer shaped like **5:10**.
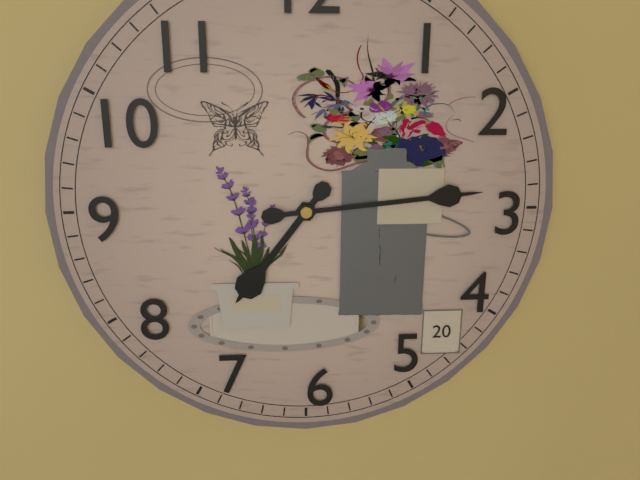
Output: **7:14**
